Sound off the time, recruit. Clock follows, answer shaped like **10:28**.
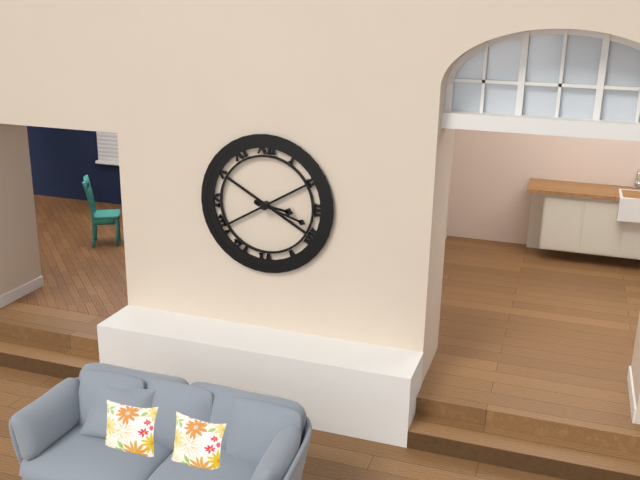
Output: **3:18**
